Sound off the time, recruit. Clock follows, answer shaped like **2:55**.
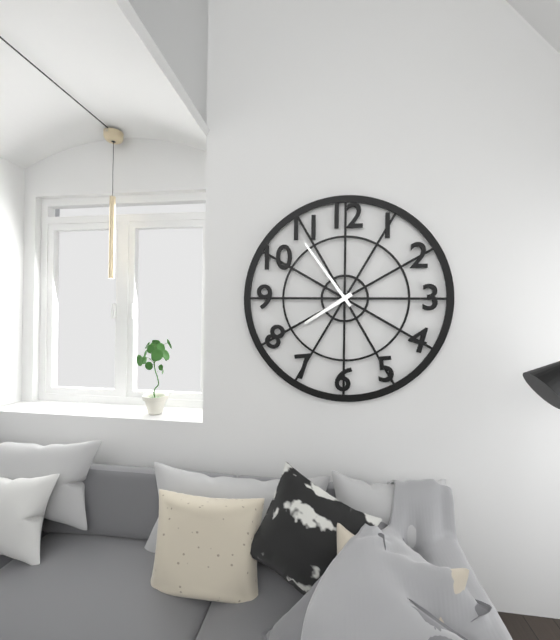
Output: **7:54**
